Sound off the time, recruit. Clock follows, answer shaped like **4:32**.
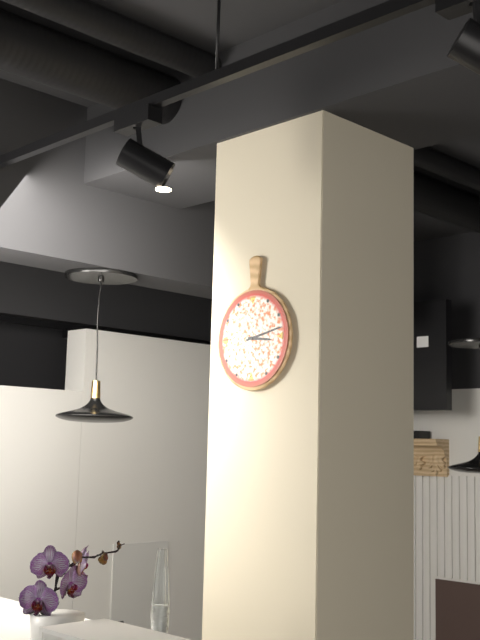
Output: **3:13**
